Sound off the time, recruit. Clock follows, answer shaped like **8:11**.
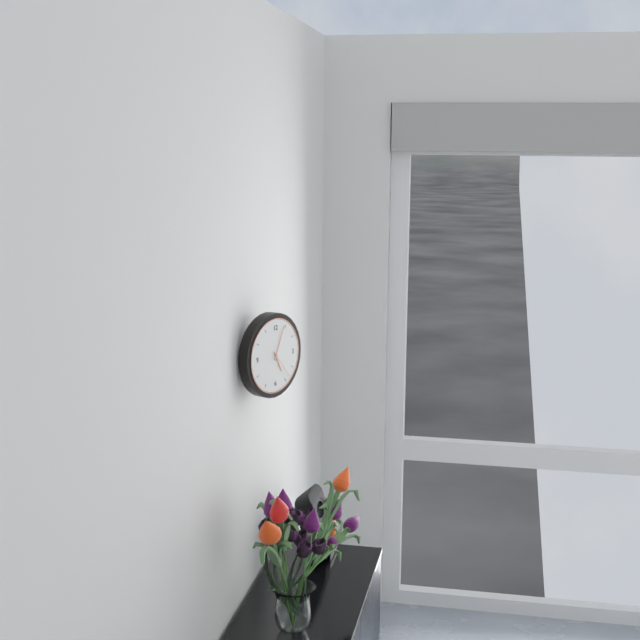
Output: **5:04**
